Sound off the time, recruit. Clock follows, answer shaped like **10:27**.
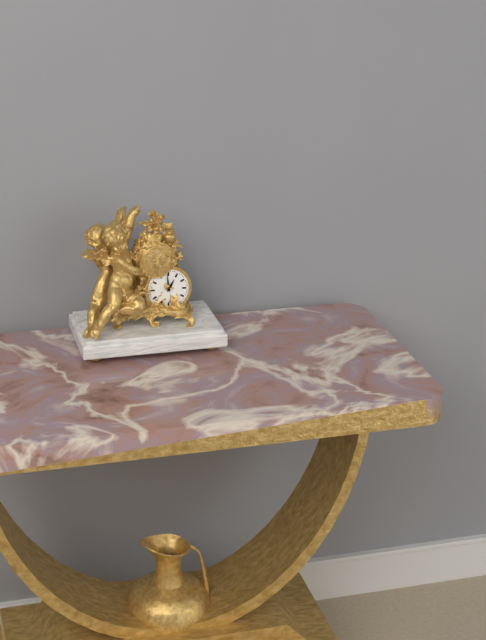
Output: **12:59**
